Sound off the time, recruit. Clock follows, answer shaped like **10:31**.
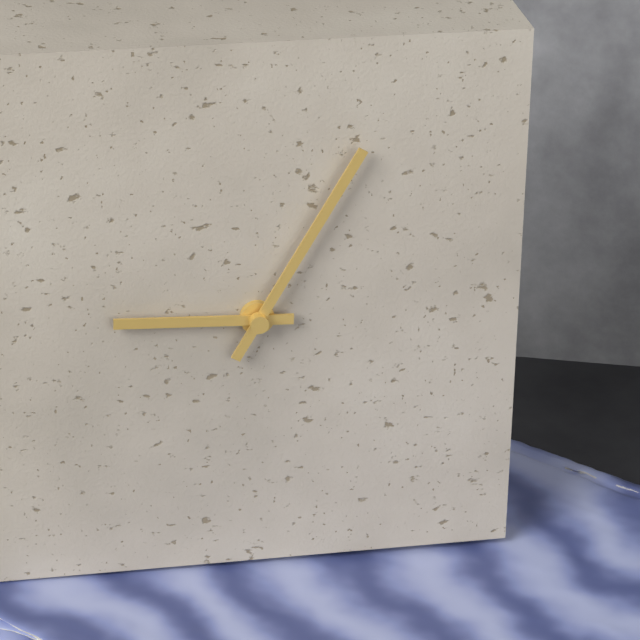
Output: **9:05**
